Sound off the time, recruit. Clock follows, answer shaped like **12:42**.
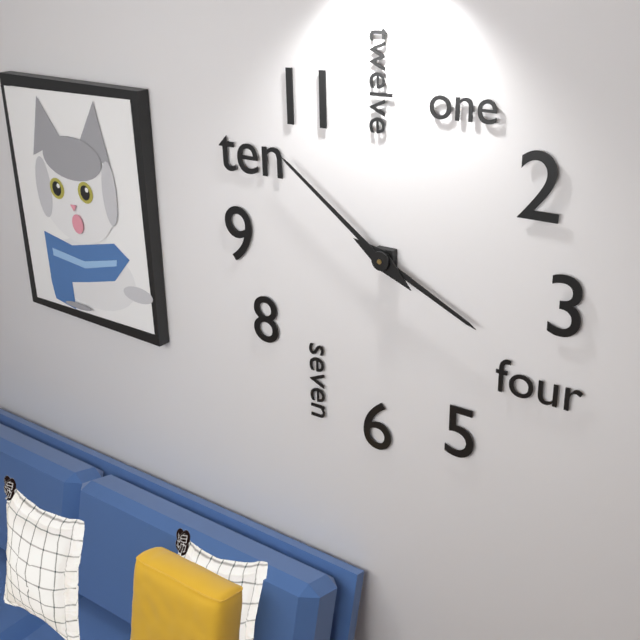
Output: **3:51**
